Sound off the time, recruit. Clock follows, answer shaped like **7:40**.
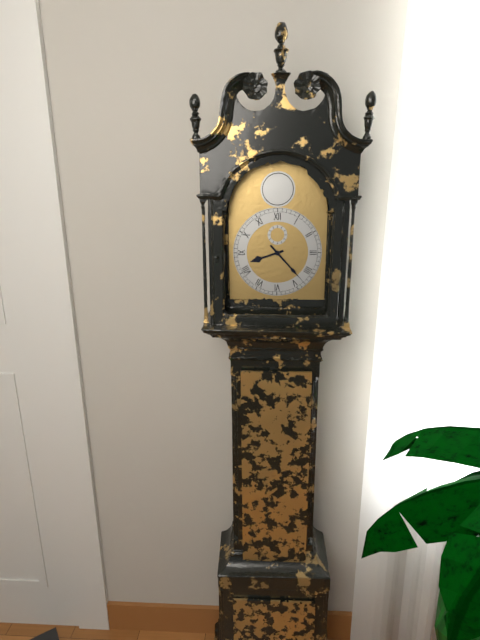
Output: **8:23**
